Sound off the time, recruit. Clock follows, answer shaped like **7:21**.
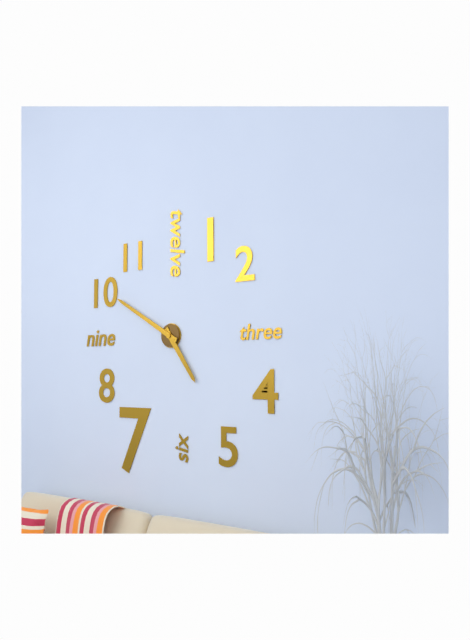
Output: **4:50**
